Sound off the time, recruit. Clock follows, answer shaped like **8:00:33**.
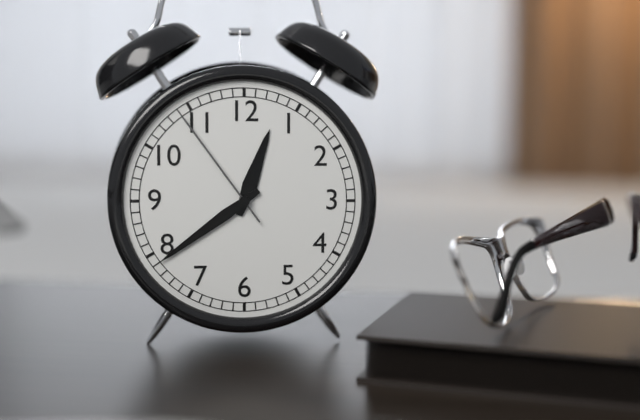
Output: **12:39:54**
